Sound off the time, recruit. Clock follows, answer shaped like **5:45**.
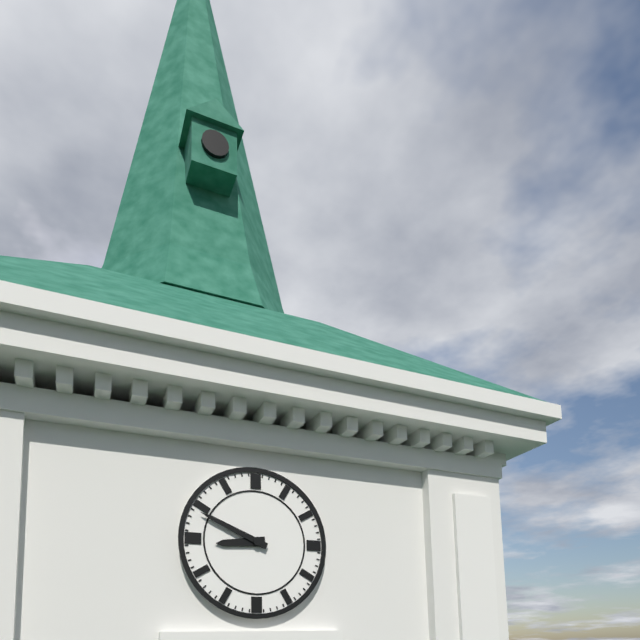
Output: **8:49**
